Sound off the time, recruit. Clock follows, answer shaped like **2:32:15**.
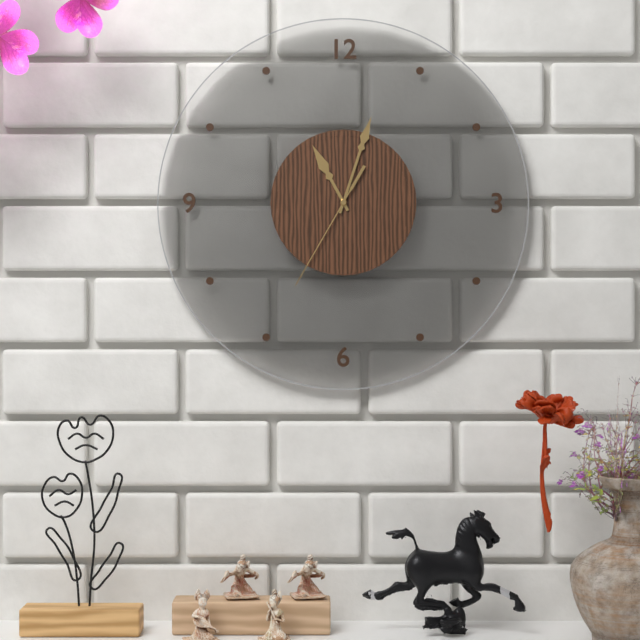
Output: **11:03:35**
